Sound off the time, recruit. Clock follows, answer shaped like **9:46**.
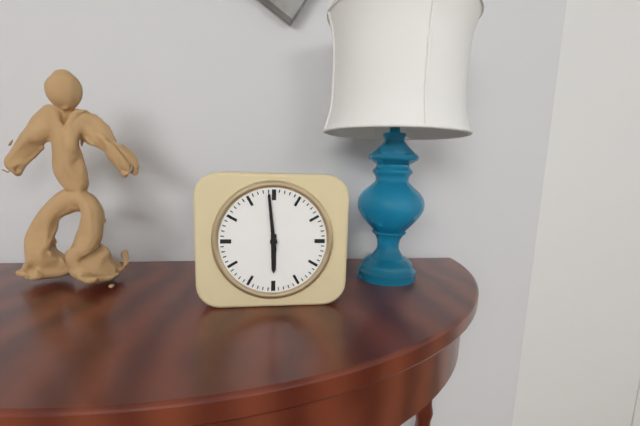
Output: **5:59**
